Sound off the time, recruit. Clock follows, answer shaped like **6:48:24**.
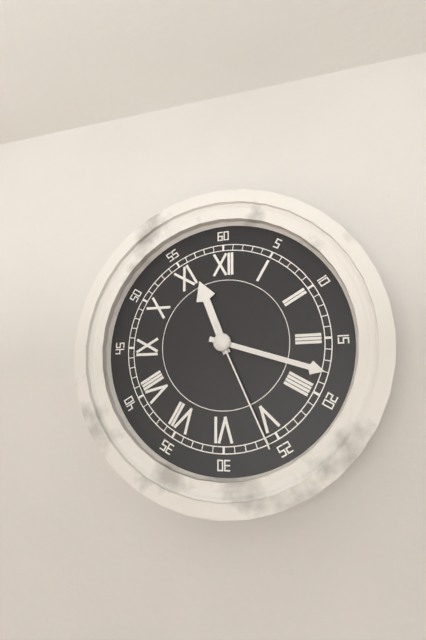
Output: **11:18:26**
